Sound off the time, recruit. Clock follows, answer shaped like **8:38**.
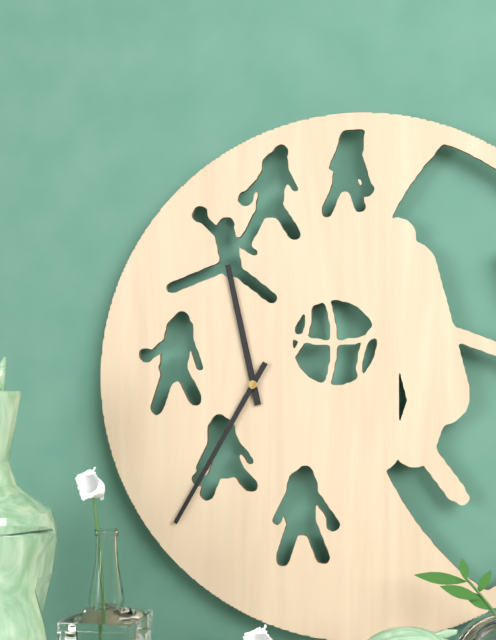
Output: **11:35**
